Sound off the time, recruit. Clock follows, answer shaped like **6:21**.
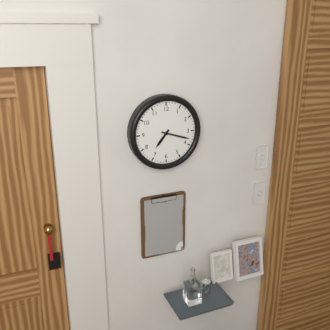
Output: **7:18**
